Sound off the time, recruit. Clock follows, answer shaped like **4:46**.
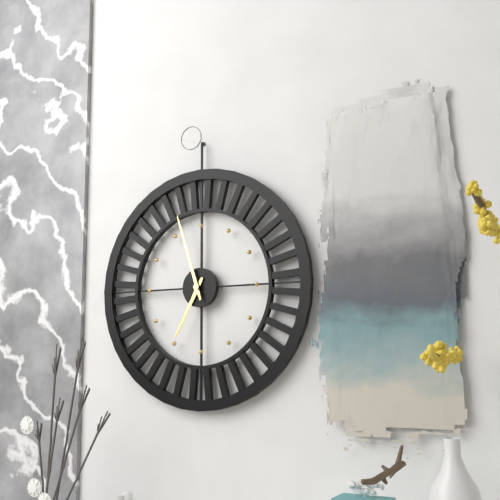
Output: **6:57**
